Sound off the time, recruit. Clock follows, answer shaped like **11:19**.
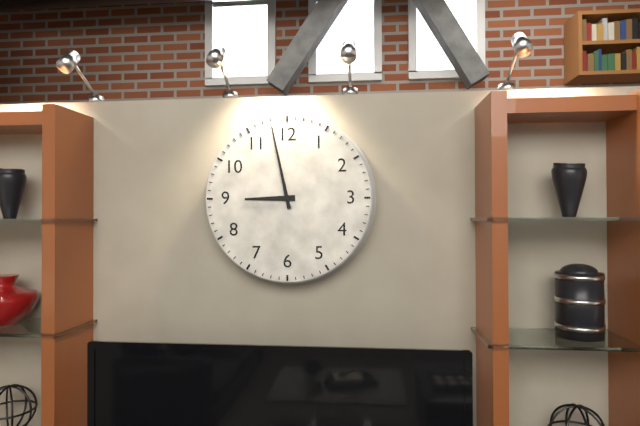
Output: **8:58**
